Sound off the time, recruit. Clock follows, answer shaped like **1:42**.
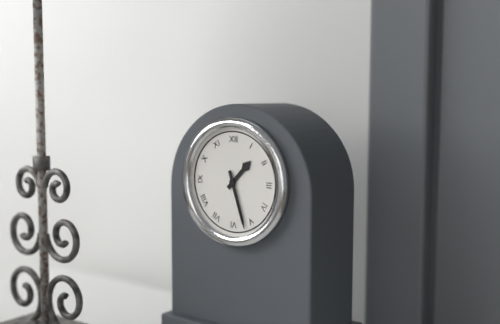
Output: **1:27**
